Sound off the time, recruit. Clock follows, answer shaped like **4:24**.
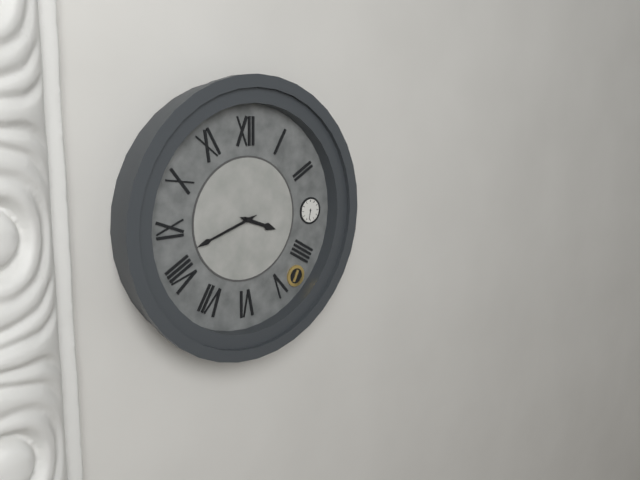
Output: **3:42**
